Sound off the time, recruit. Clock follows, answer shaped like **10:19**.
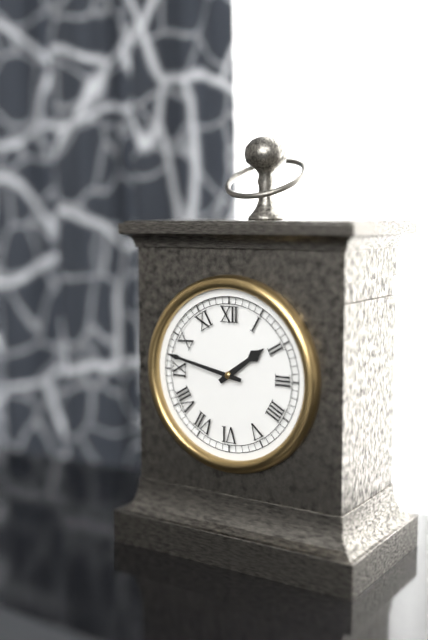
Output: **1:47**
